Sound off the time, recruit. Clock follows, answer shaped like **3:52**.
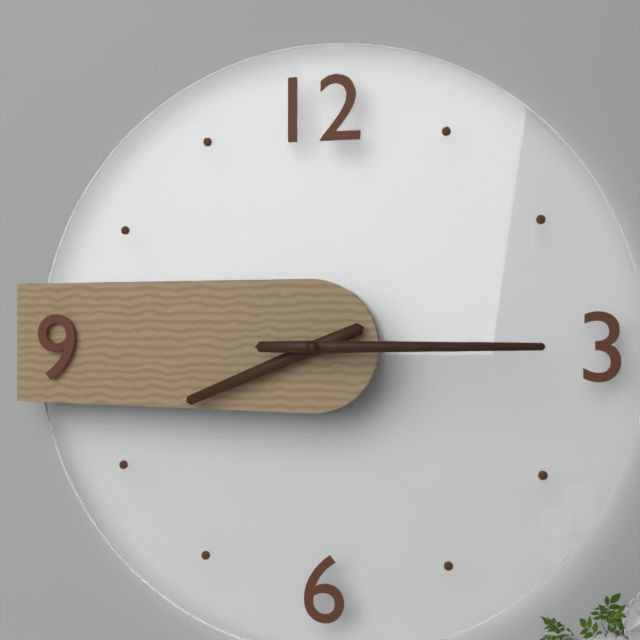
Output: **8:15**
